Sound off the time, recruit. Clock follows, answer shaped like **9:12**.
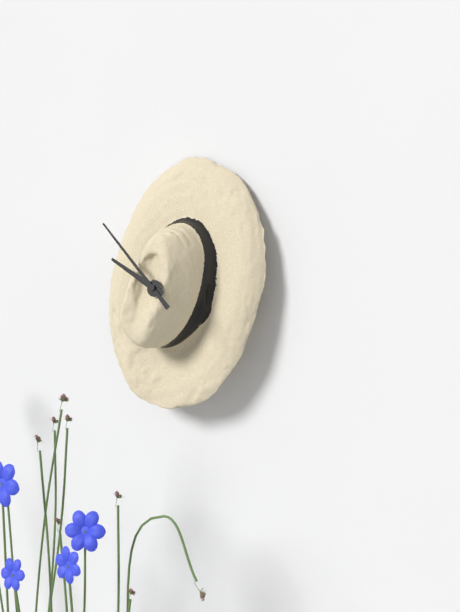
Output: **9:52**
